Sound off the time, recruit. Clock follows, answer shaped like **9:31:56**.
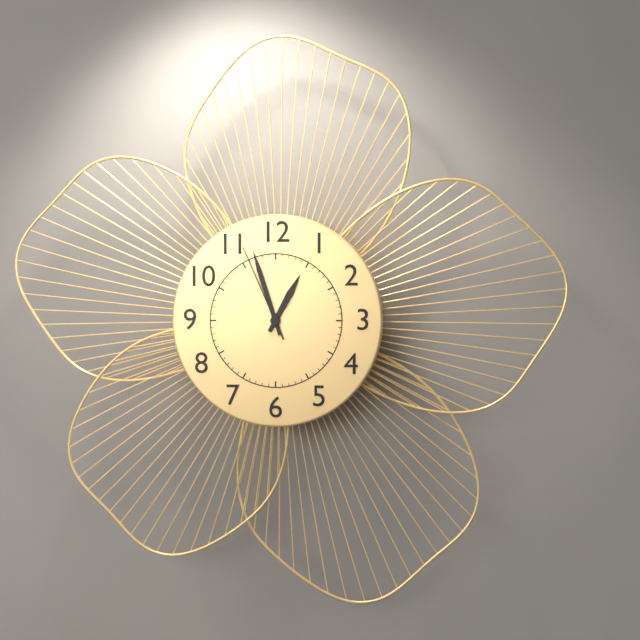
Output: **12:57:56**
